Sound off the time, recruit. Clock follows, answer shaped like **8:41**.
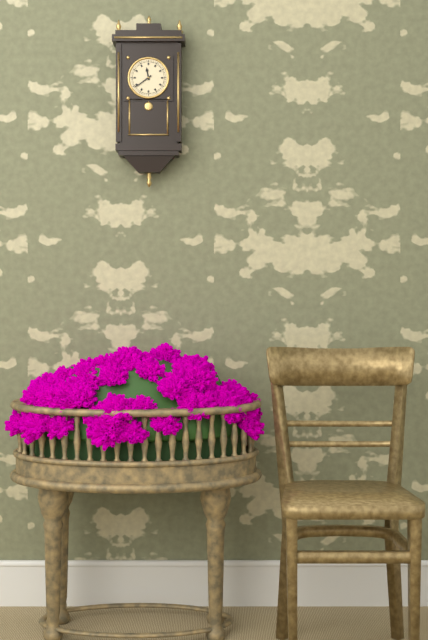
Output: **11:39**
